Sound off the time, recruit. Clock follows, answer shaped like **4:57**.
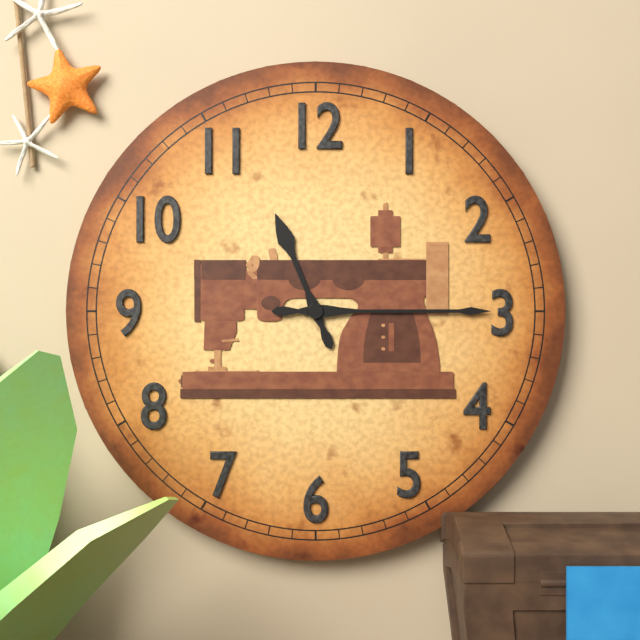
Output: **11:15**
